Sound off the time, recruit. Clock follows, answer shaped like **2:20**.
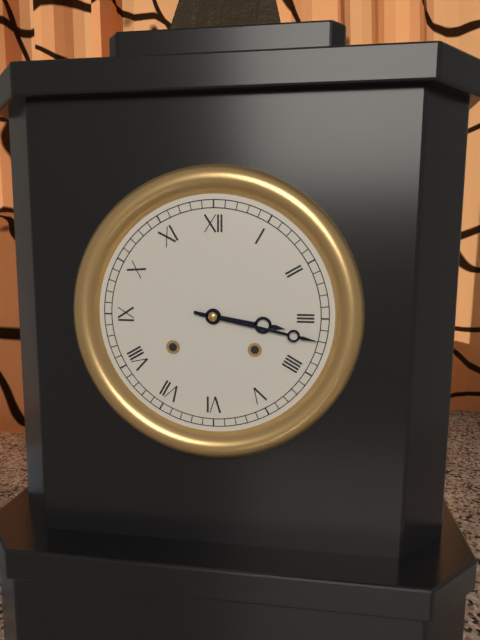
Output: **3:17**
